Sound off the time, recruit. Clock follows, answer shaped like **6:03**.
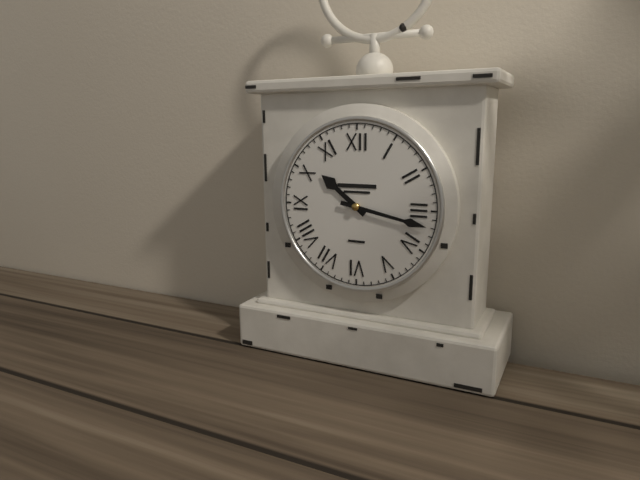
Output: **10:17**
